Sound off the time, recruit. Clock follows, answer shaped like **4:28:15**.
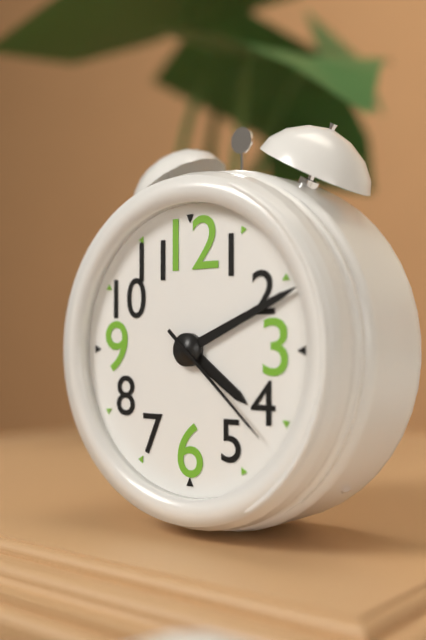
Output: **4:11:22**
